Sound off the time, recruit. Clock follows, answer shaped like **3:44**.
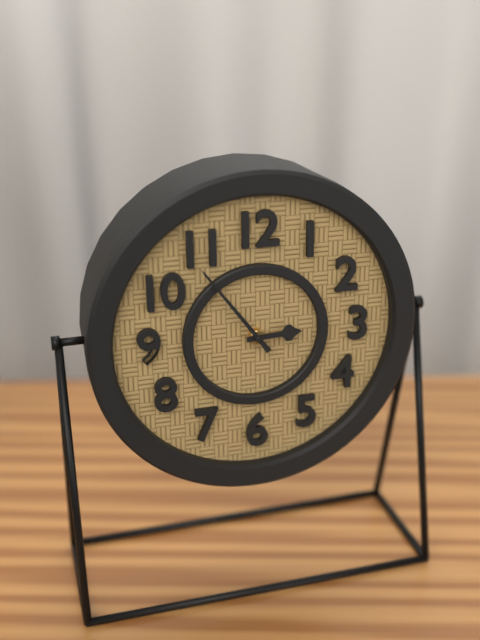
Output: **2:54**
